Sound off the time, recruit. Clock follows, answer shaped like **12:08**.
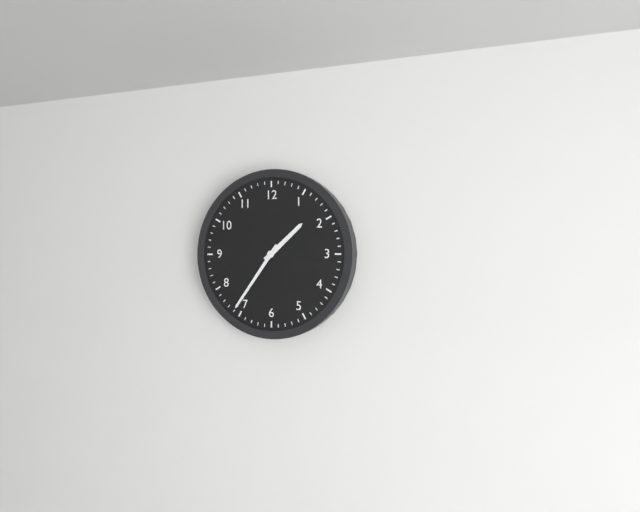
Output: **1:36**
